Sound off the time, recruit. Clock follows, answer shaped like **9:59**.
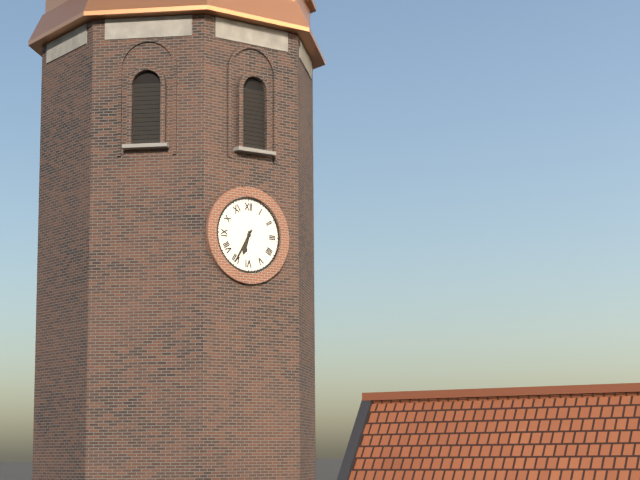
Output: **6:35**
